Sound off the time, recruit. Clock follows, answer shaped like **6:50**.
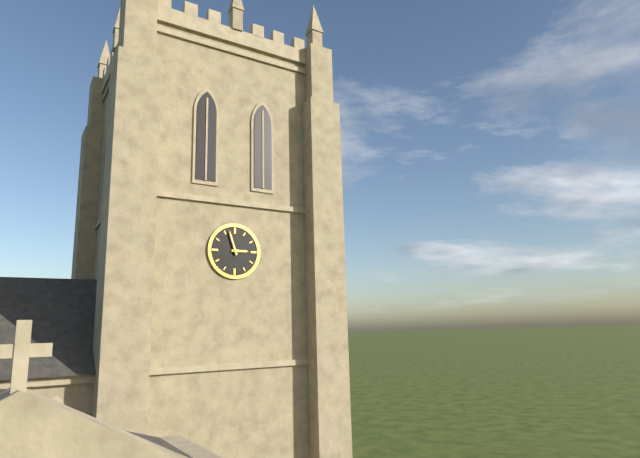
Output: **2:57**
